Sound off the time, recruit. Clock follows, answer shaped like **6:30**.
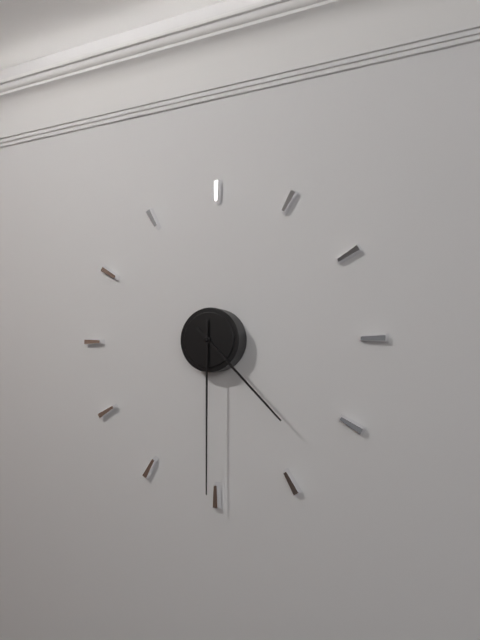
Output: **4:30**
